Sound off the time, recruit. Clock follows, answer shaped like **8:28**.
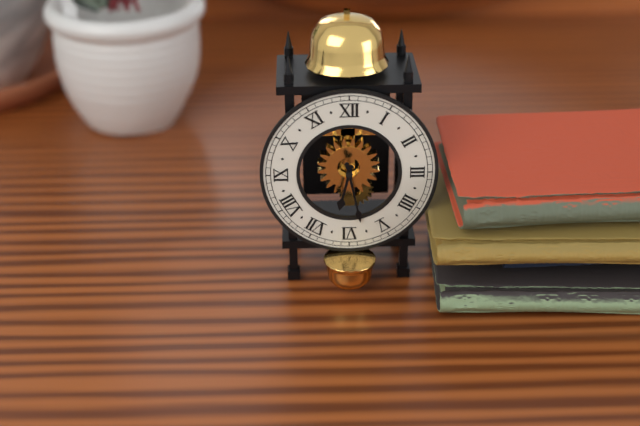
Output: **6:28**
